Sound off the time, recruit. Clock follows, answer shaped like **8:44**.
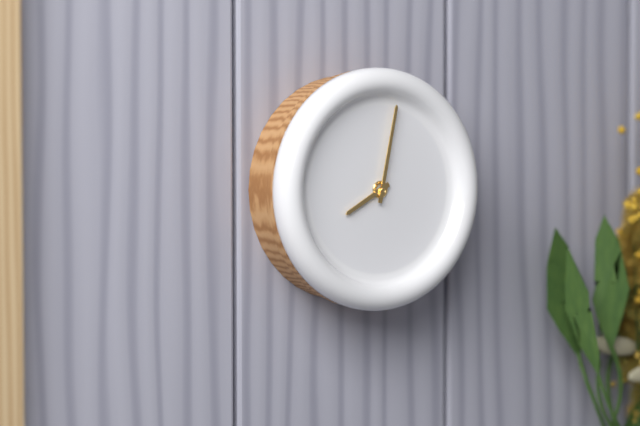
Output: **8:02**
